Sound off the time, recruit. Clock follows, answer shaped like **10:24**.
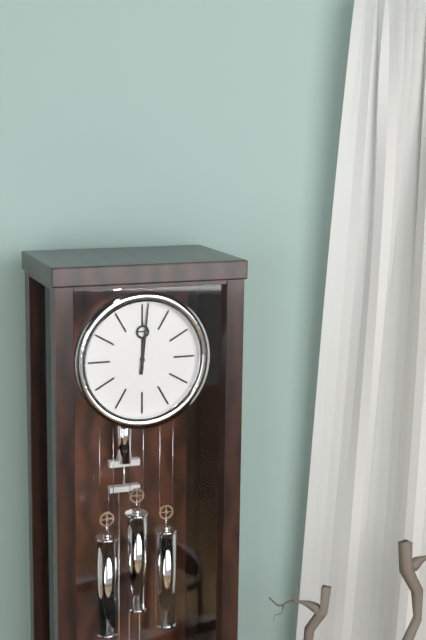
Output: **12:01**
